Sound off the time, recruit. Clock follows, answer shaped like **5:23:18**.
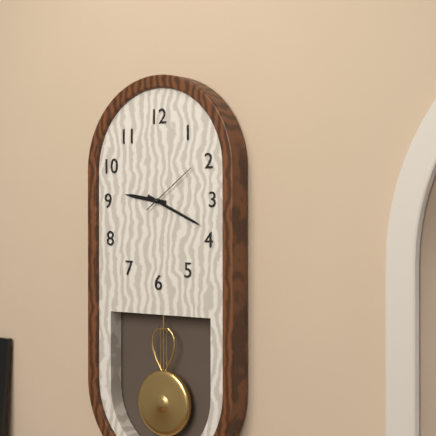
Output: **9:19:09**
